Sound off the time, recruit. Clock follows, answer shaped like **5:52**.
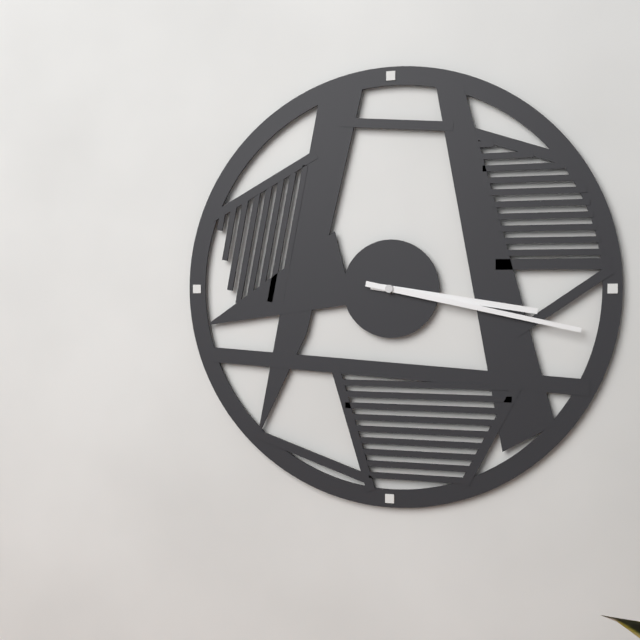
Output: **3:17**
